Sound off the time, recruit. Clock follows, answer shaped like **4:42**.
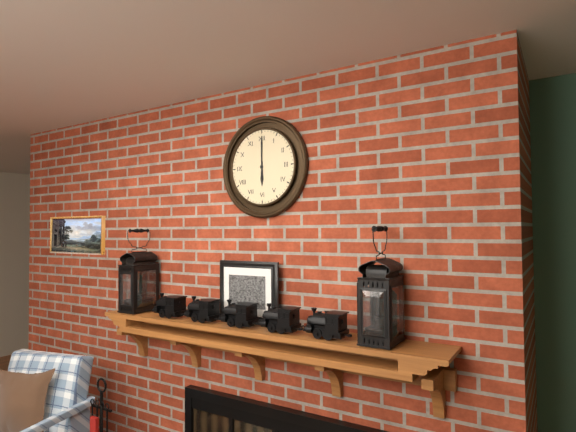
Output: **6:00**
